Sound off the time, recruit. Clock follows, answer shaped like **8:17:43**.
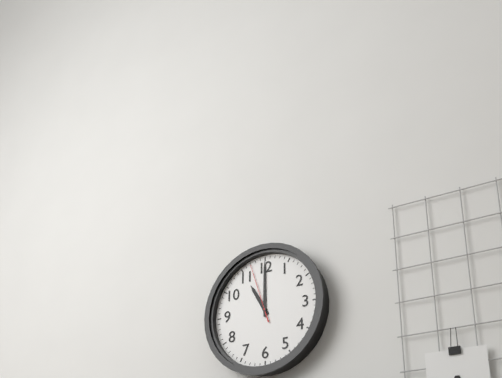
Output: **11:00:57**
